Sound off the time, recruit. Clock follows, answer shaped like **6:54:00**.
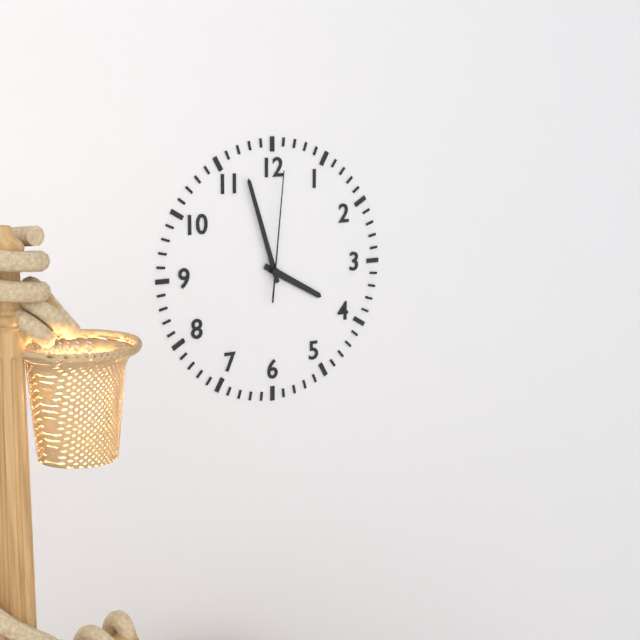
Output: **3:57:01**
